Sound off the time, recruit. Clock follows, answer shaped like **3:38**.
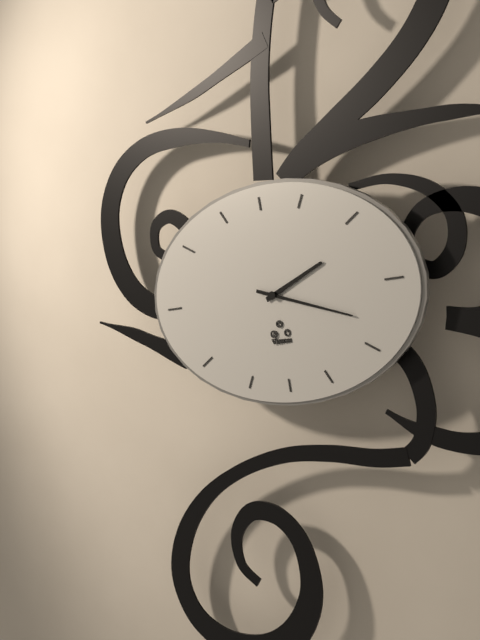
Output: **2:18**
